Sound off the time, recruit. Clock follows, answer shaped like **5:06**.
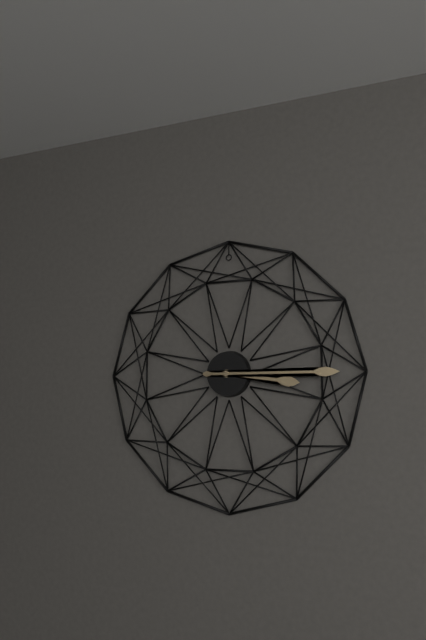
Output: **3:15**
